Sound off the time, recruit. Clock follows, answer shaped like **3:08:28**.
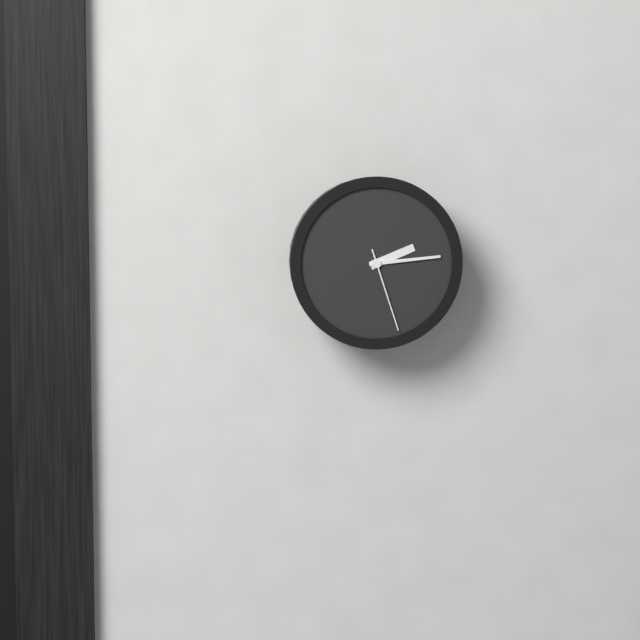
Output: **2:14:27**
